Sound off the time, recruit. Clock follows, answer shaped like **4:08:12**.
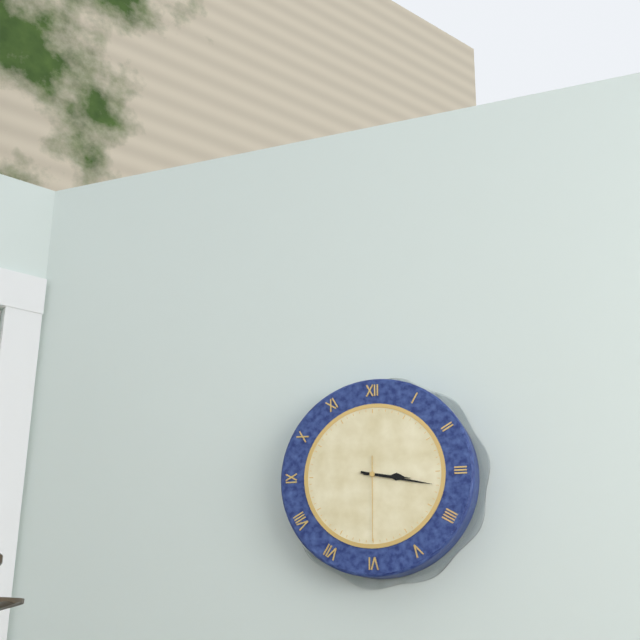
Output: **3:17:30**
